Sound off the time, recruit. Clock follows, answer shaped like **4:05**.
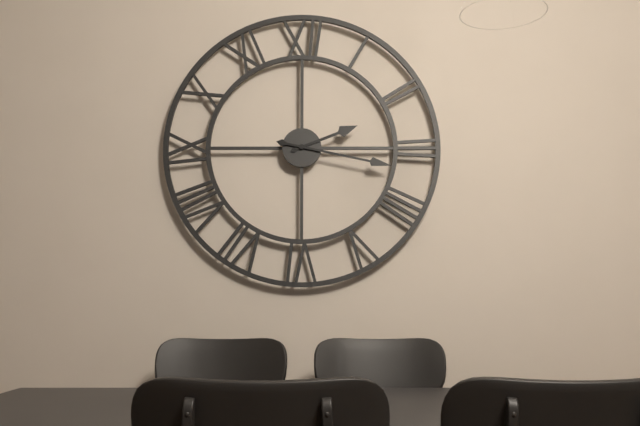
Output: **2:17**
